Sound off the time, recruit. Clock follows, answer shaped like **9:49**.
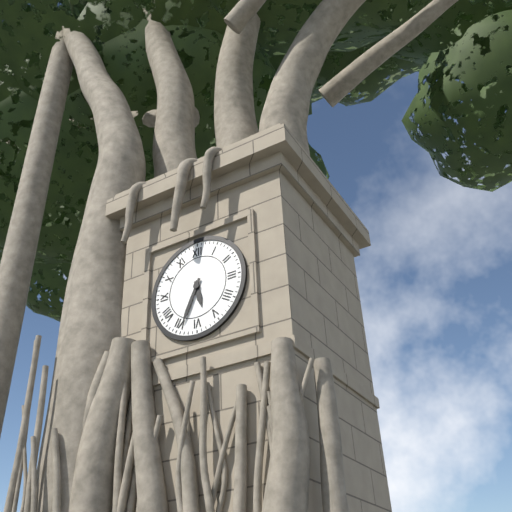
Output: **5:34**
